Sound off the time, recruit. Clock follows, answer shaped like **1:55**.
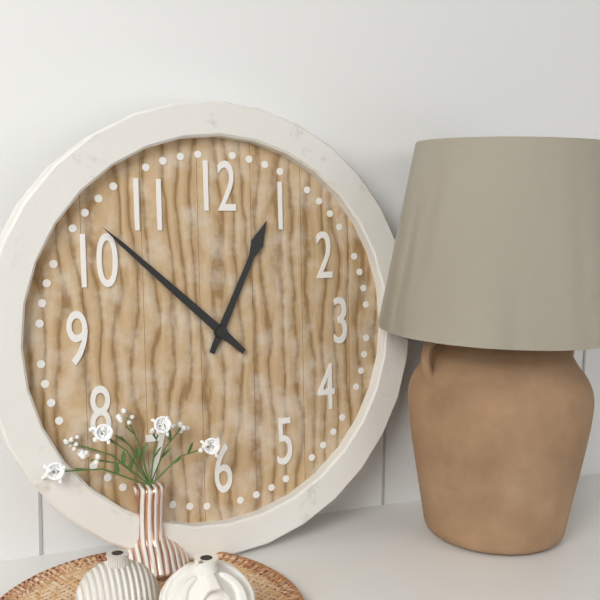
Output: **12:52**
